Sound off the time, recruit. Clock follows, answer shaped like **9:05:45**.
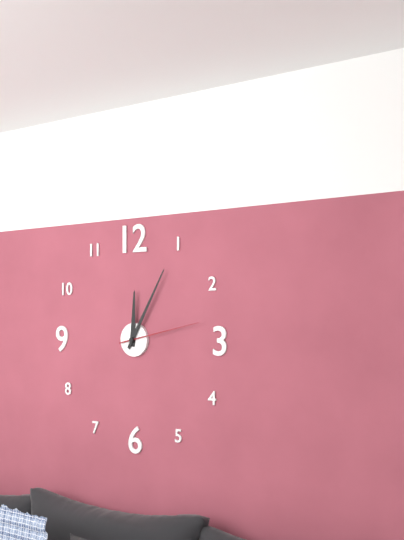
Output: **12:05:13**
